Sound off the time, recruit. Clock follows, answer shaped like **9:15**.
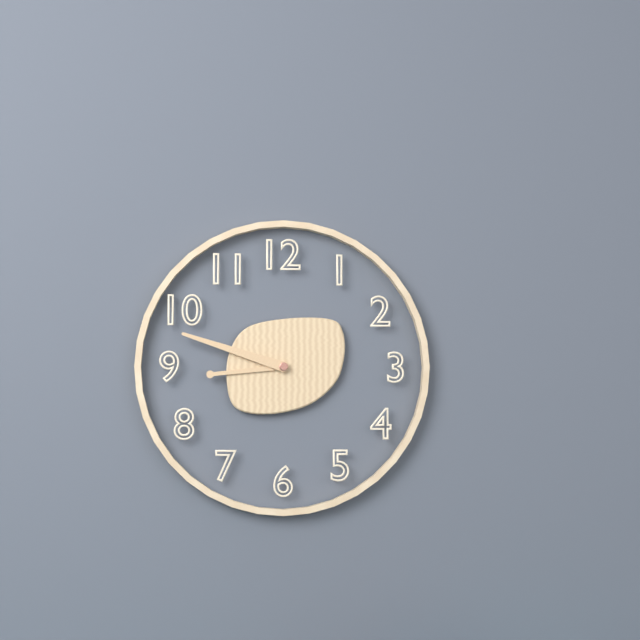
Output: **8:48**
